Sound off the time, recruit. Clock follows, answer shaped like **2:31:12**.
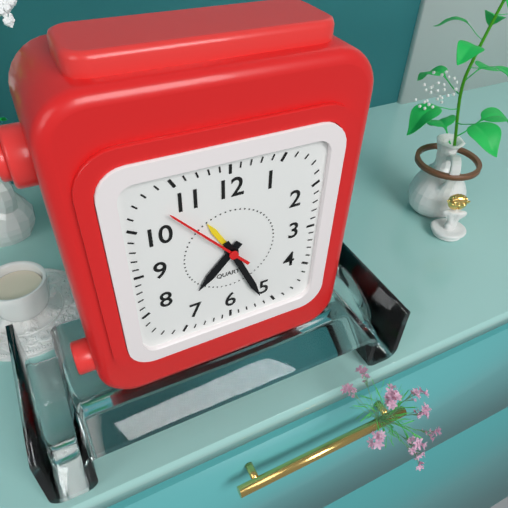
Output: **7:26:53**
